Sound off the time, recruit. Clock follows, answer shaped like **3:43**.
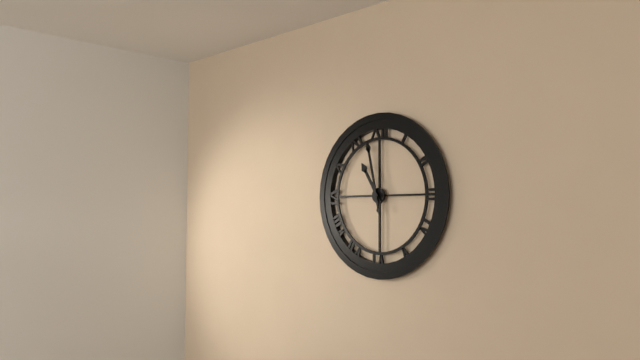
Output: **10:58**
